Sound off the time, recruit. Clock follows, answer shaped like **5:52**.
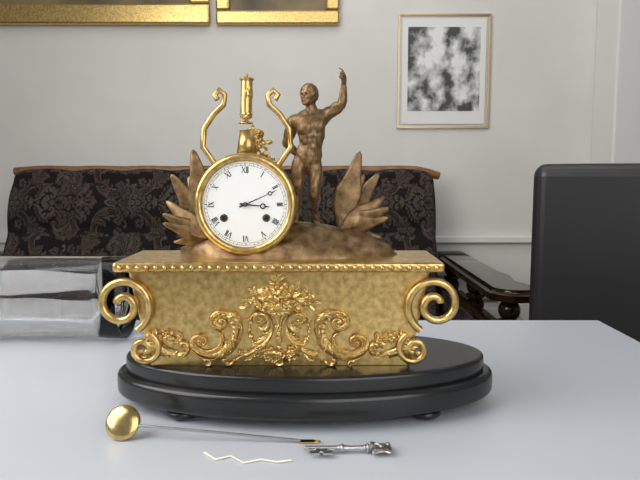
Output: **3:11**
